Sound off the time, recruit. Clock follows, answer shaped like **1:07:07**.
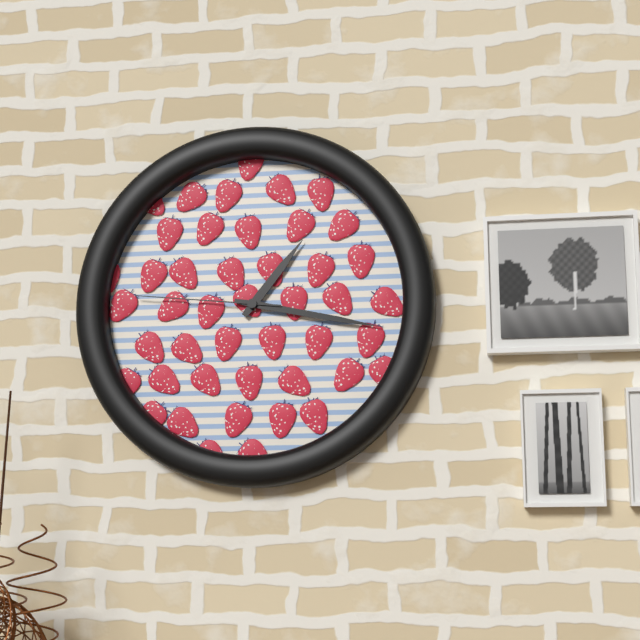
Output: **1:17:46**
